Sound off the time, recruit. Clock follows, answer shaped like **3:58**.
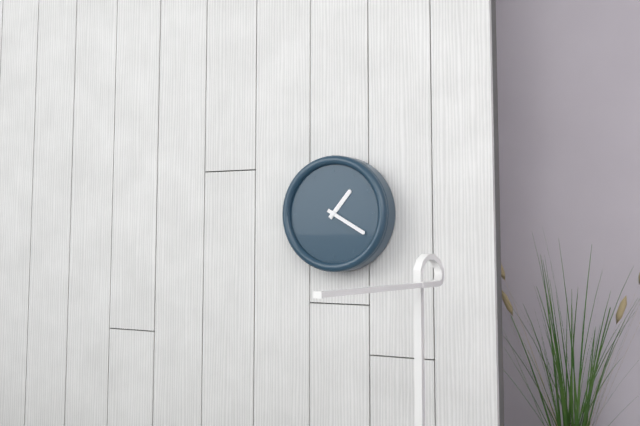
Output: **1:20**
